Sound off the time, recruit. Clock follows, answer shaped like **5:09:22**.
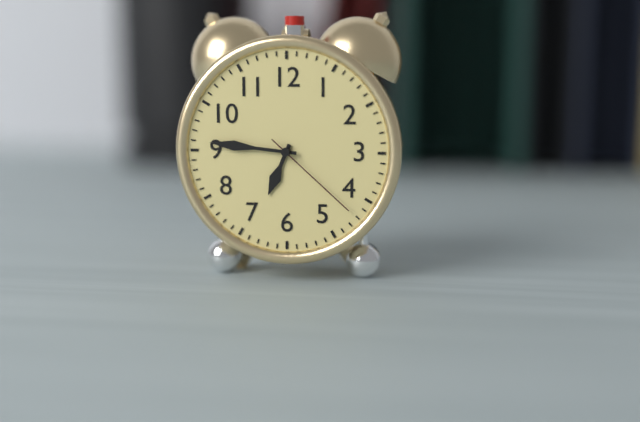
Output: **6:46:22**
